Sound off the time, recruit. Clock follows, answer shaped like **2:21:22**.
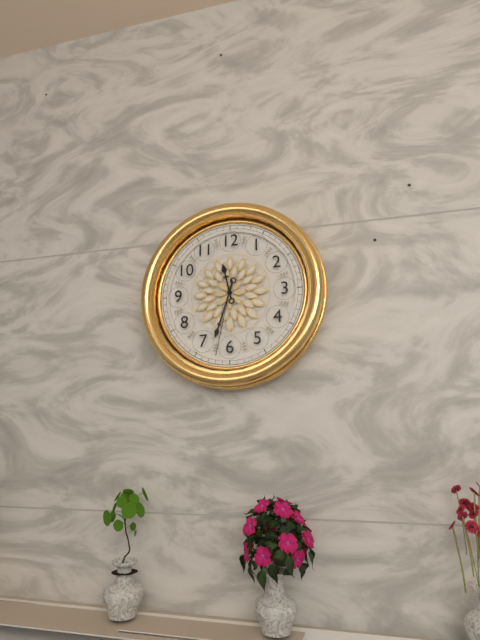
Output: **11:33:32**
